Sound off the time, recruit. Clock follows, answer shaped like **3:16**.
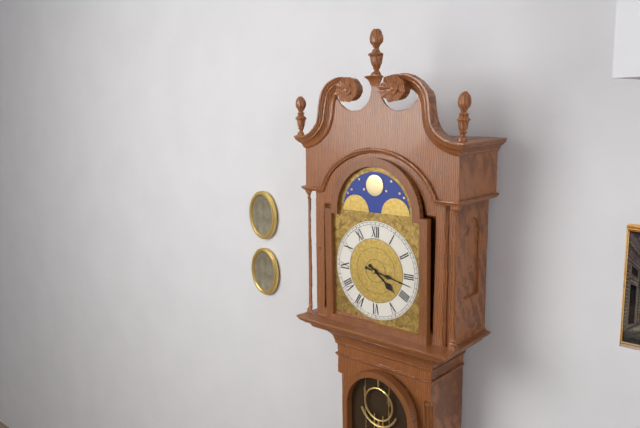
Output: **4:17**
